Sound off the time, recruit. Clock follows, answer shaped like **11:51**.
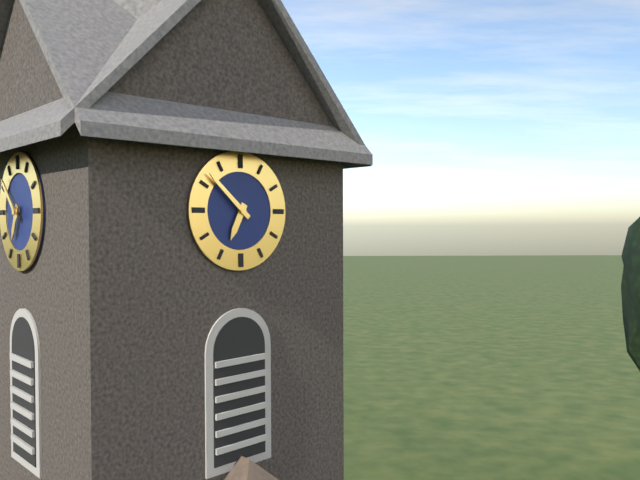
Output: **6:52**
